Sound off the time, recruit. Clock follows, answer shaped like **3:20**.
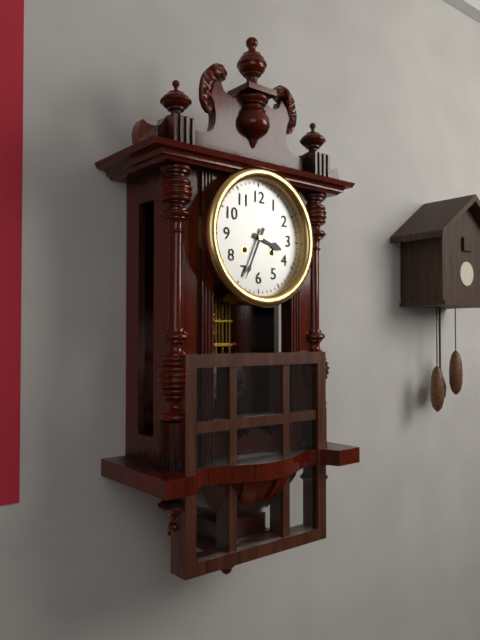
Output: **3:34**
